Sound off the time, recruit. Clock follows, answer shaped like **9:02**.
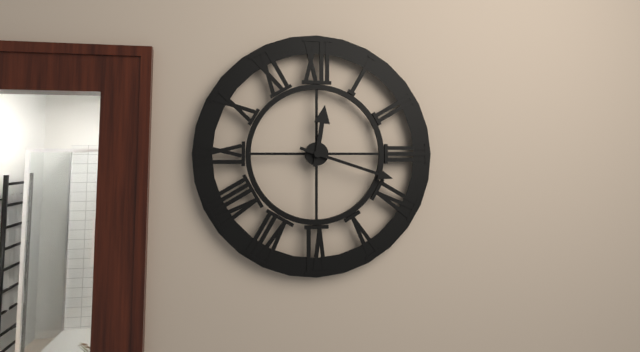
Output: **12:18**
